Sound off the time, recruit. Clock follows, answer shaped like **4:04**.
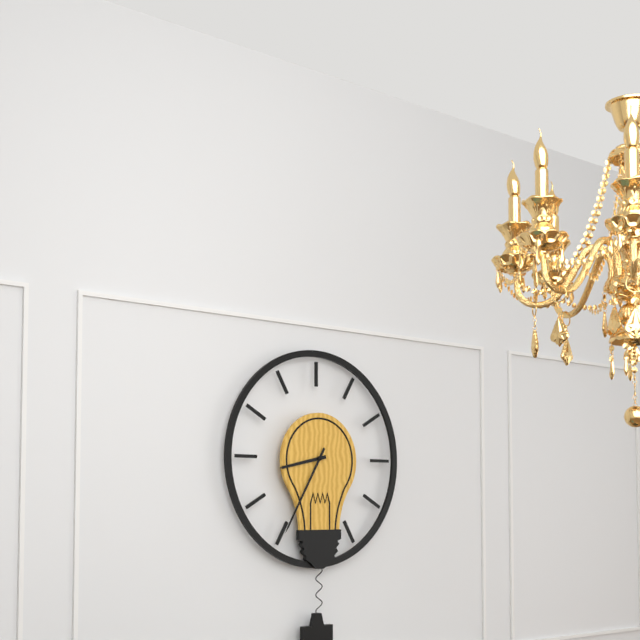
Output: **8:35**
